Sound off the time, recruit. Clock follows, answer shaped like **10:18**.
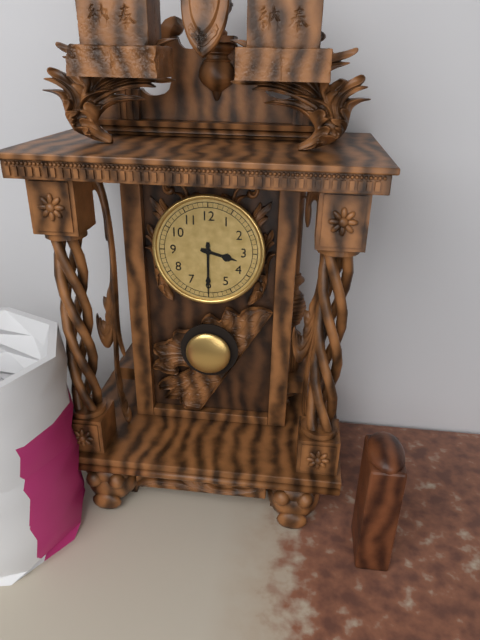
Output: **3:30**
